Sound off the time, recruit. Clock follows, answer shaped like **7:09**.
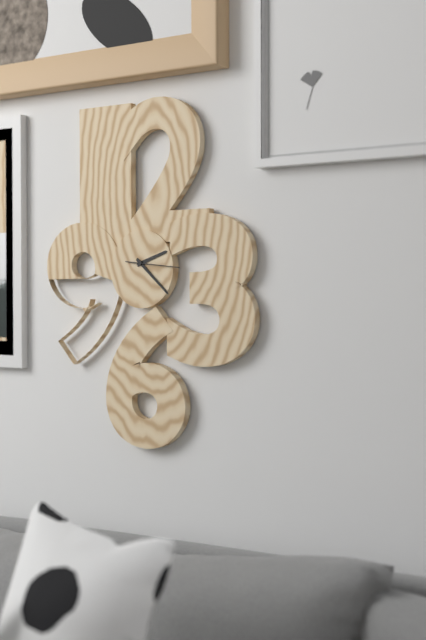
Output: **2:22**
